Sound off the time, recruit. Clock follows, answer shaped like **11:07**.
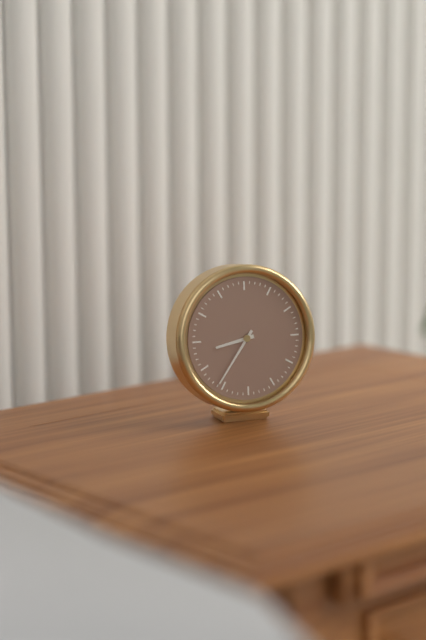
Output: **8:36**
